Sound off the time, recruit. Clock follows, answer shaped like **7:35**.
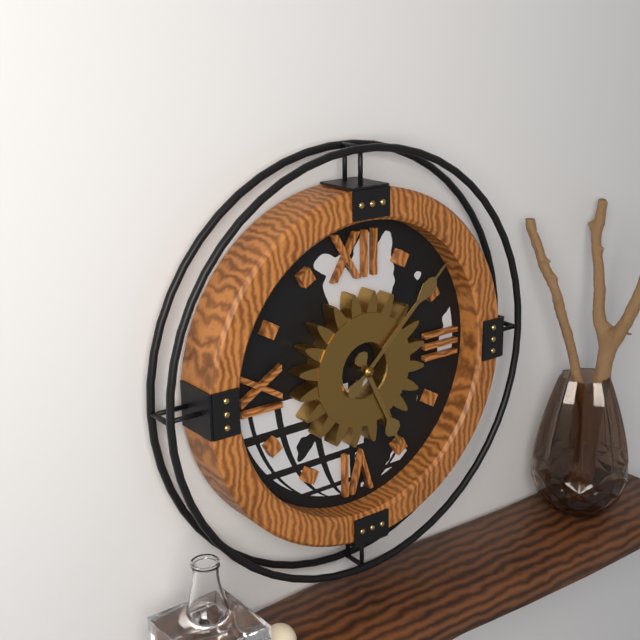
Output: **5:08**
